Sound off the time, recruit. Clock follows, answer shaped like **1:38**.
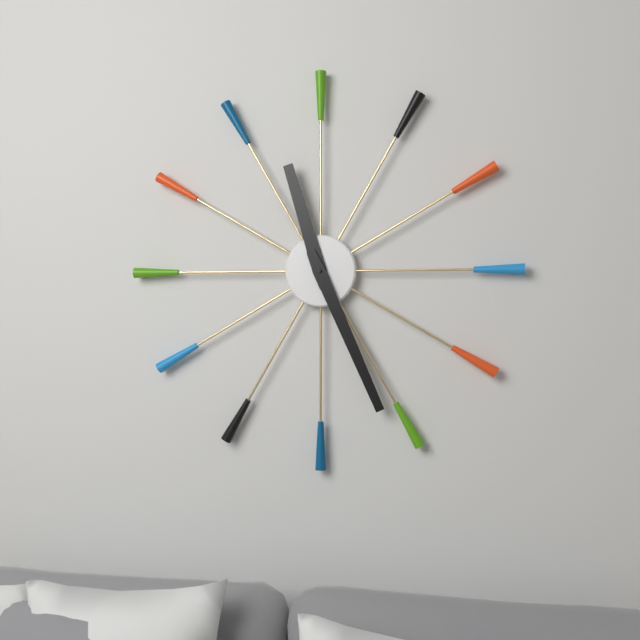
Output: **11:26**
